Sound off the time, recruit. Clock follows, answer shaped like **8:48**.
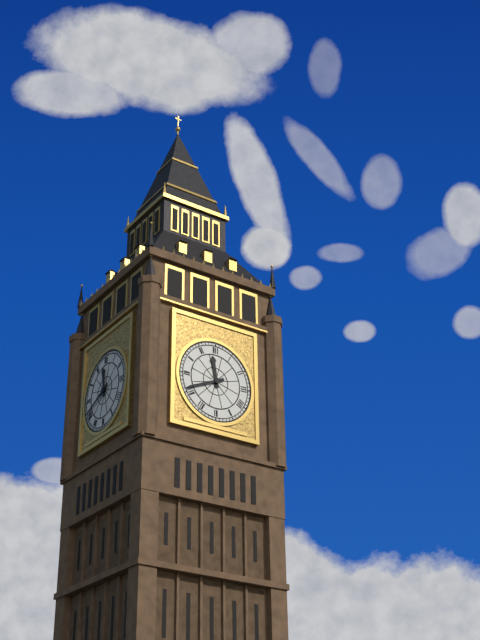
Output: **11:41**
